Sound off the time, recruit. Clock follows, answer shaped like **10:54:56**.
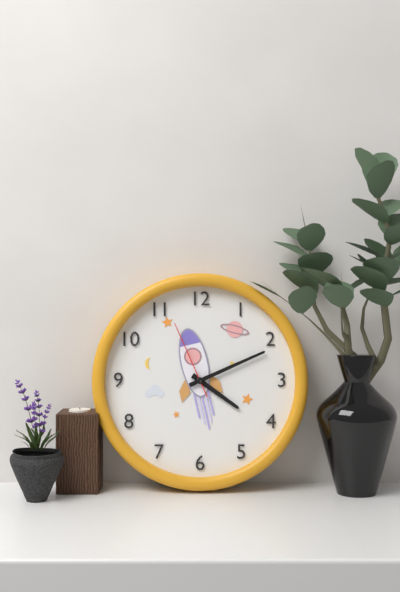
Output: **4:11:56**
